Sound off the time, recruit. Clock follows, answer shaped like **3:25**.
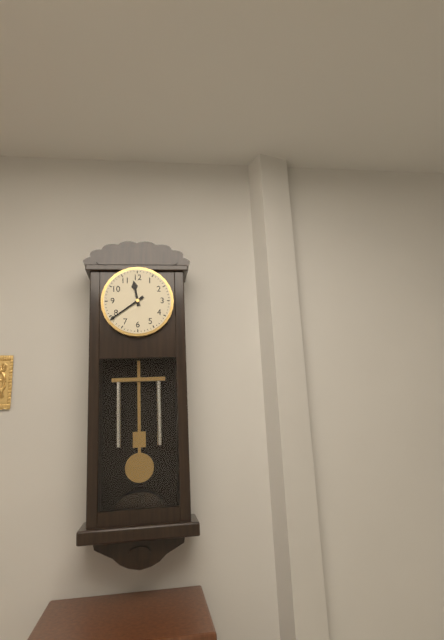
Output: **11:39**
